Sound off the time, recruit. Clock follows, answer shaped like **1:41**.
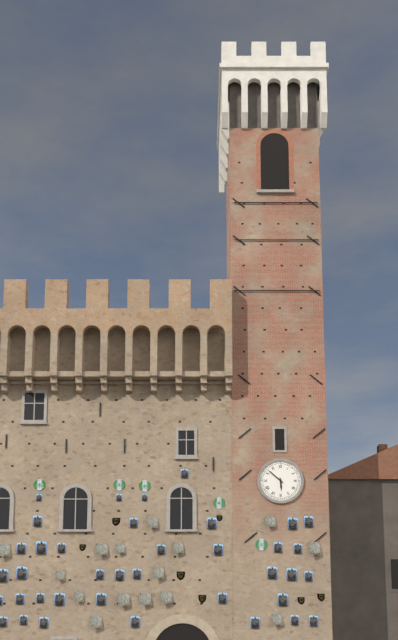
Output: **5:52**
